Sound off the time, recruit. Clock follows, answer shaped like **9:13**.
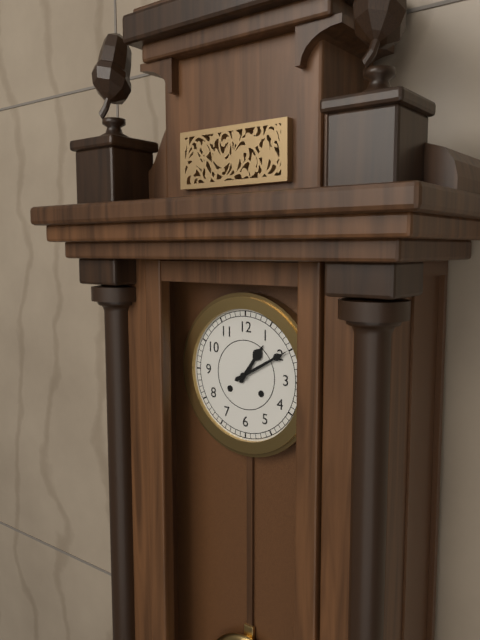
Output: **1:10**
